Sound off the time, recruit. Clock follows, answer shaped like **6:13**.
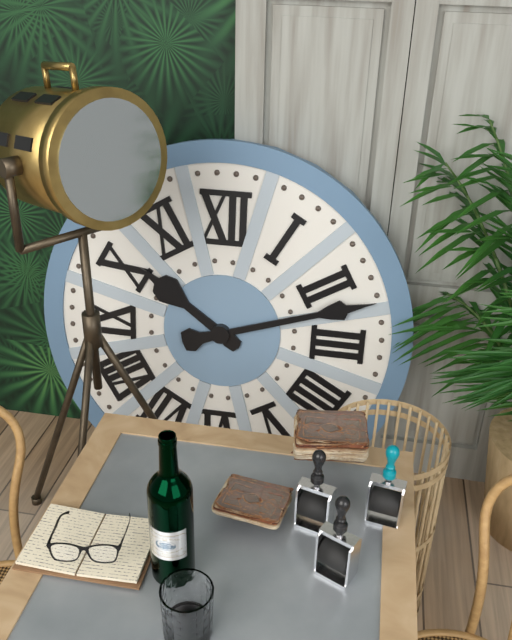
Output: **10:12**
